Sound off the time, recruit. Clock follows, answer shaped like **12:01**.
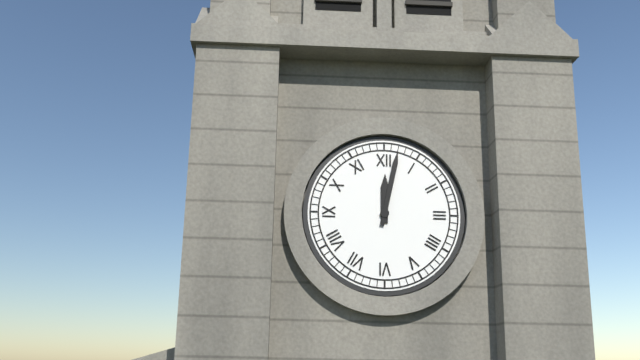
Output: **12:02**
